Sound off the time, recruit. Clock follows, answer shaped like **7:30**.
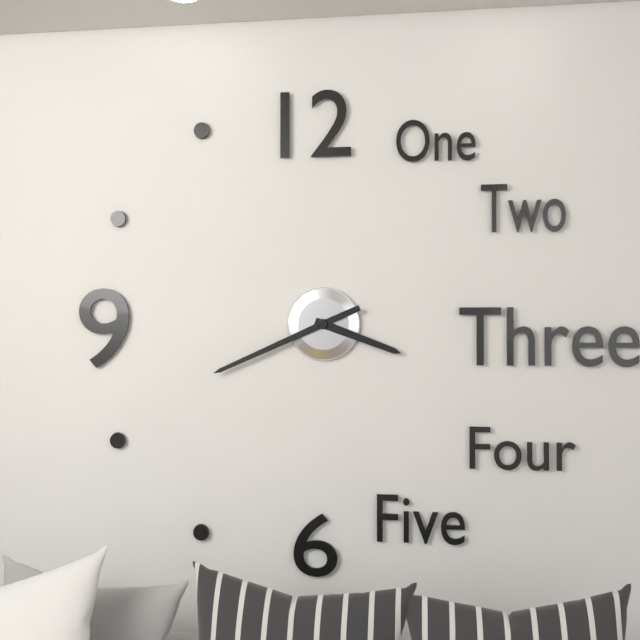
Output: **3:41**
